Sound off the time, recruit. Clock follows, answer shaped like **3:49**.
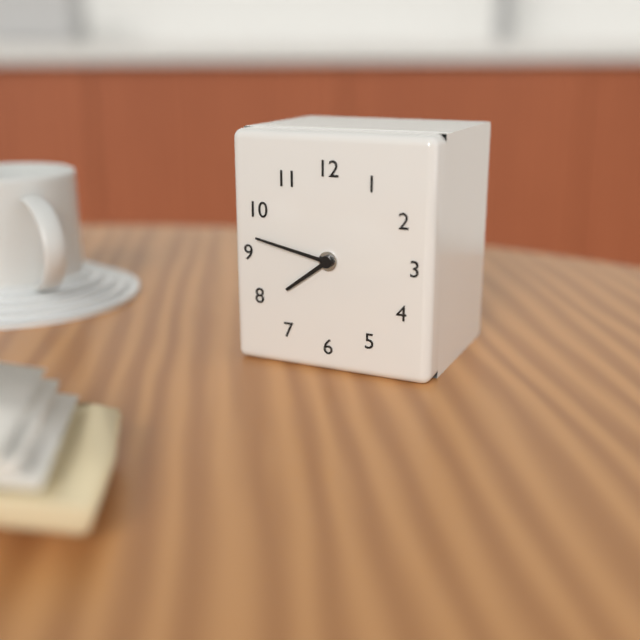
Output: **7:47**
